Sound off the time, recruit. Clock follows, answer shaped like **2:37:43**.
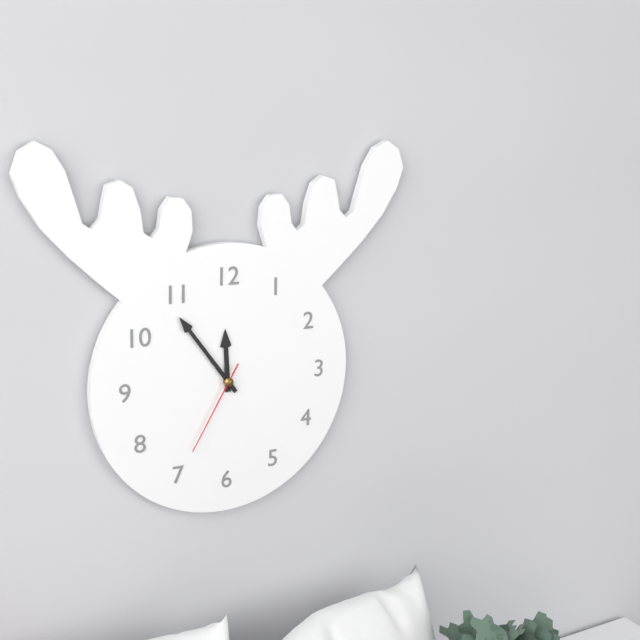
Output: **11:54:35**
